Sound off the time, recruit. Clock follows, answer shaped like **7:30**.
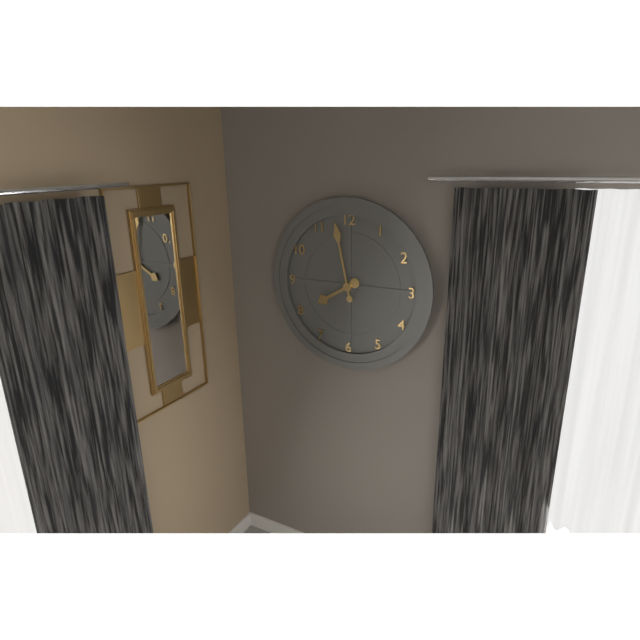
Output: **7:58**
